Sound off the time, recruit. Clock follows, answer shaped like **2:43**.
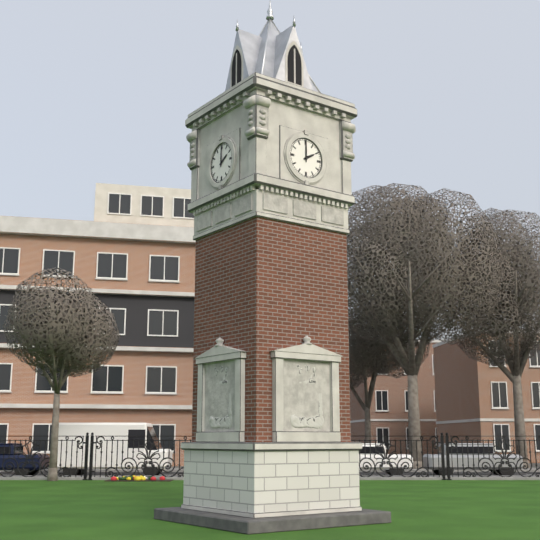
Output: **2:00**
